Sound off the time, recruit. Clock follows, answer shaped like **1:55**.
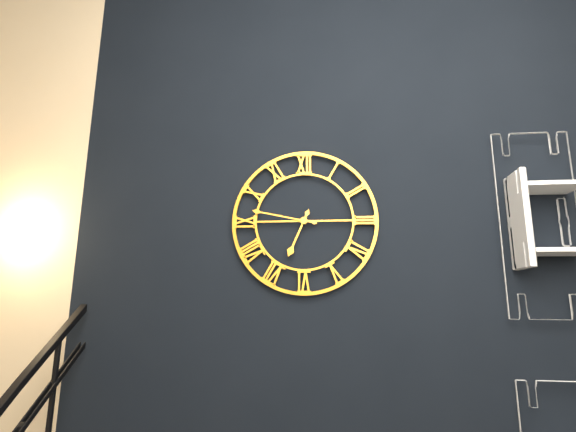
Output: **6:47**
